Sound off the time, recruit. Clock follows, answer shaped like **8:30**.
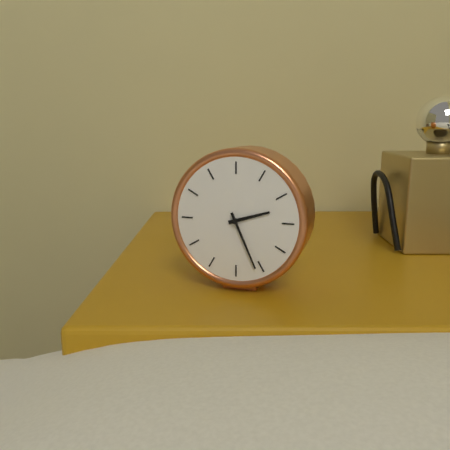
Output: **2:26**
